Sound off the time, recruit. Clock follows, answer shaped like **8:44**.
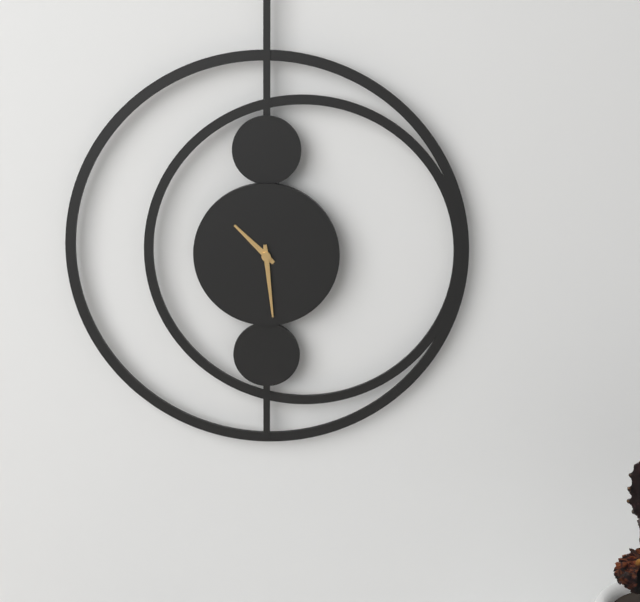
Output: **10:29**
